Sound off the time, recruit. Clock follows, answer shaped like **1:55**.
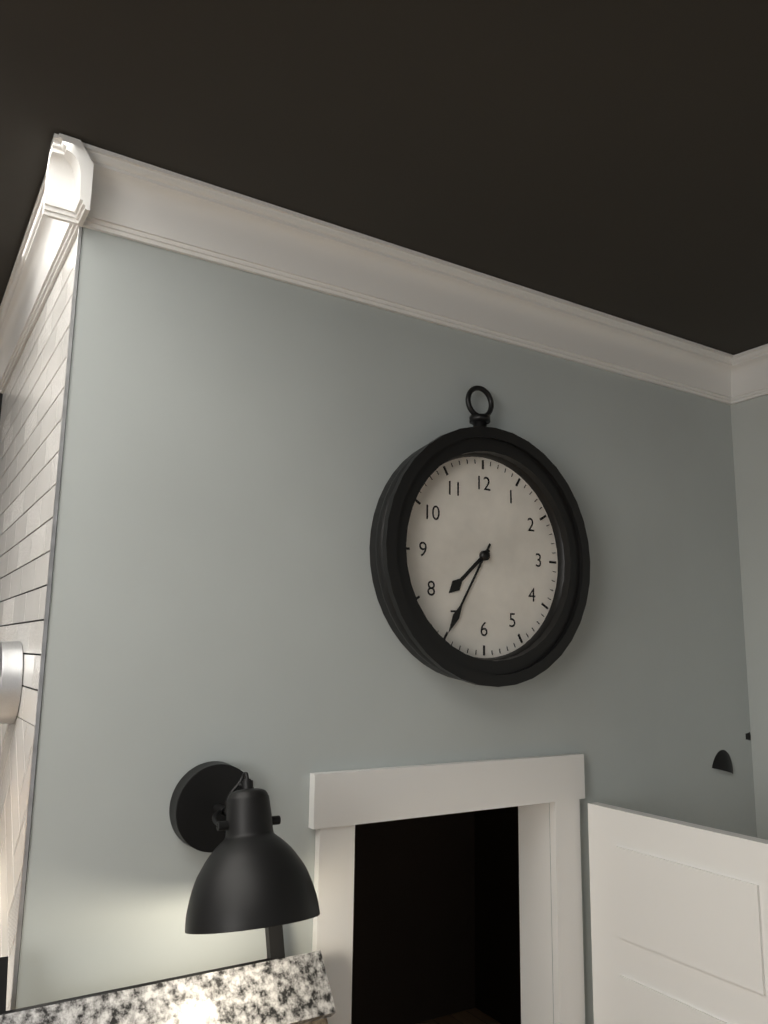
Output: **7:35**
